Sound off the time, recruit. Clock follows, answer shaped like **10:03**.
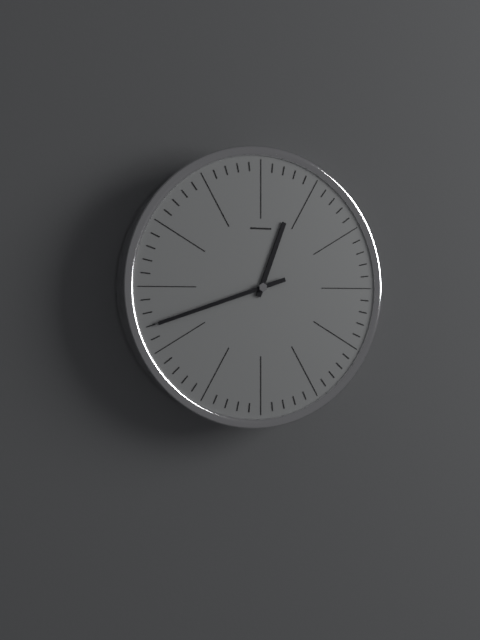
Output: **12:42**
